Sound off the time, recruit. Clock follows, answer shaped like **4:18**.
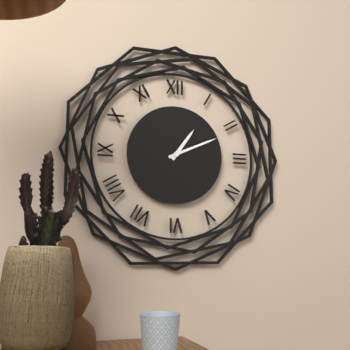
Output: **1:11**
